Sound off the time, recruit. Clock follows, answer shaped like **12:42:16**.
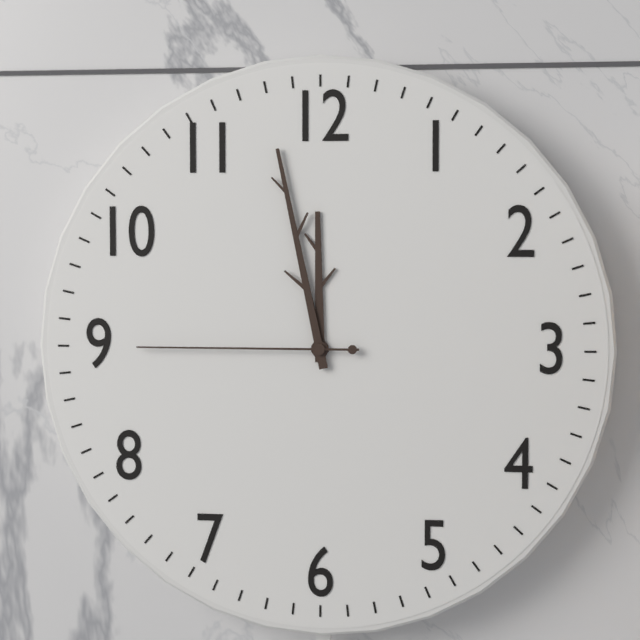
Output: **11:58:45**
